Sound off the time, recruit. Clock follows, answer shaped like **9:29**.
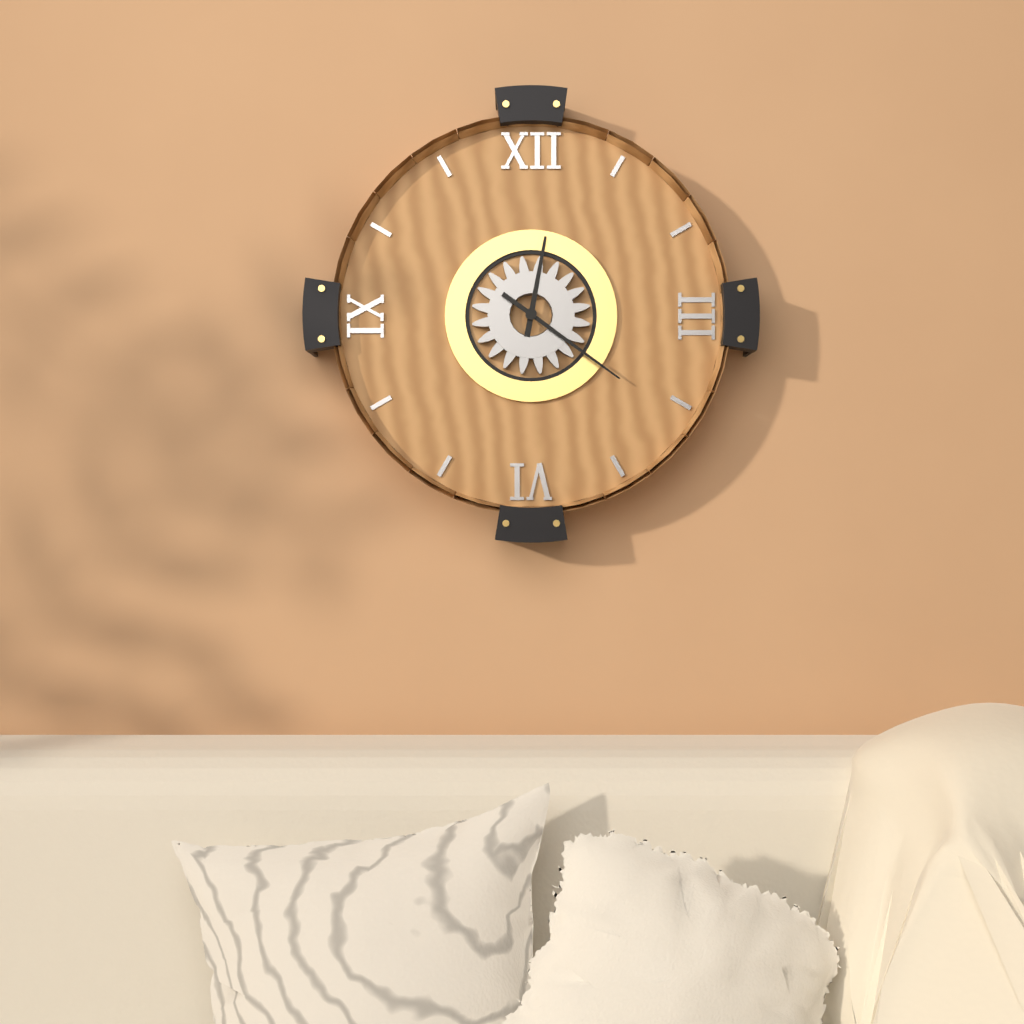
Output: **12:21**
